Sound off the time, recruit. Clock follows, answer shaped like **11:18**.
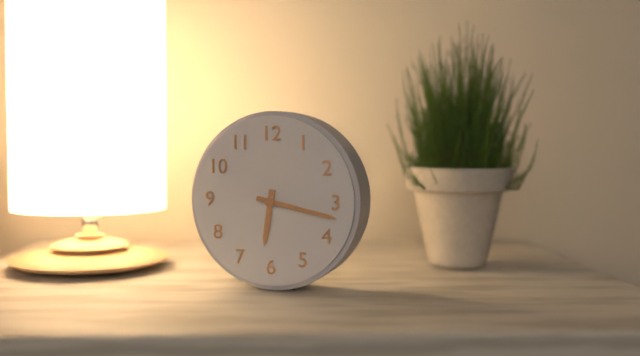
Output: **6:17**
